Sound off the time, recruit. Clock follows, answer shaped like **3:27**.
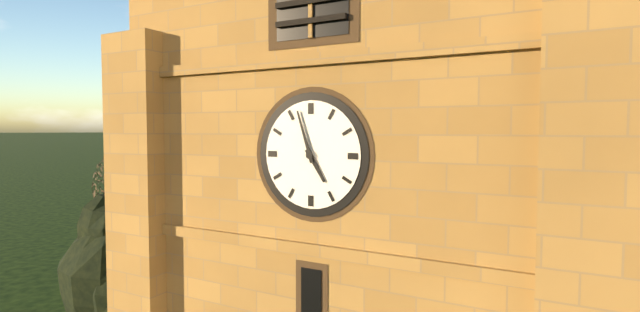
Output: **4:57**
